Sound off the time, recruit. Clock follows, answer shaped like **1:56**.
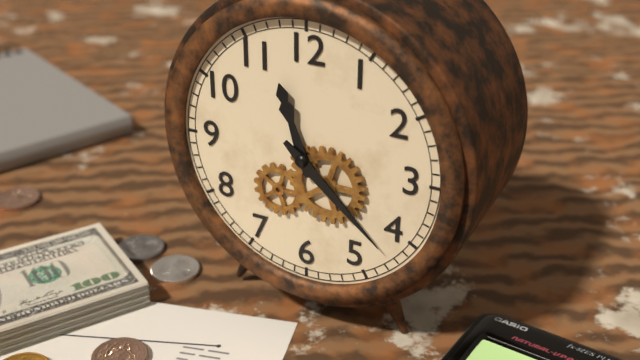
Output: **11:22**
